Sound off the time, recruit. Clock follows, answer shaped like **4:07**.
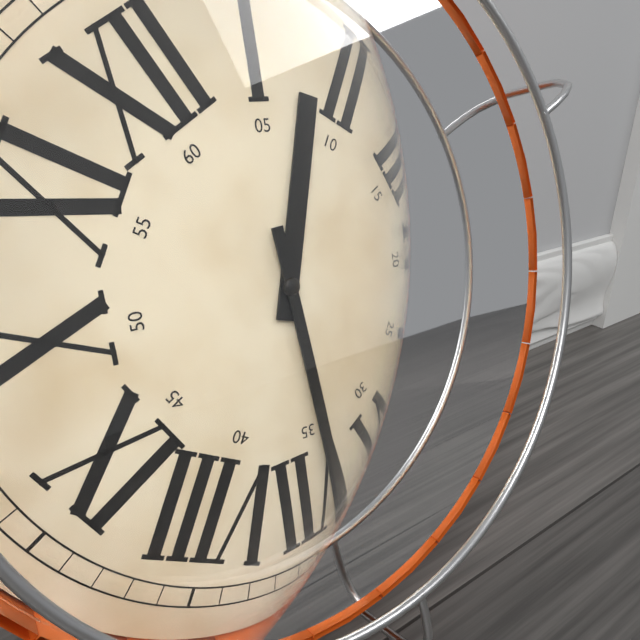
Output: **1:34**
